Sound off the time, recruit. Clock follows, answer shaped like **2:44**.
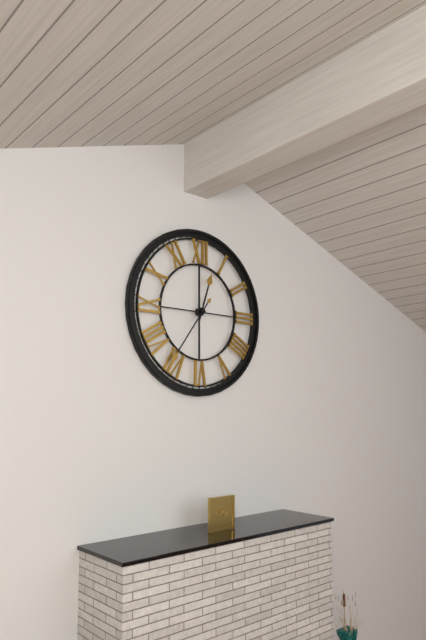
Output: **12:36**
